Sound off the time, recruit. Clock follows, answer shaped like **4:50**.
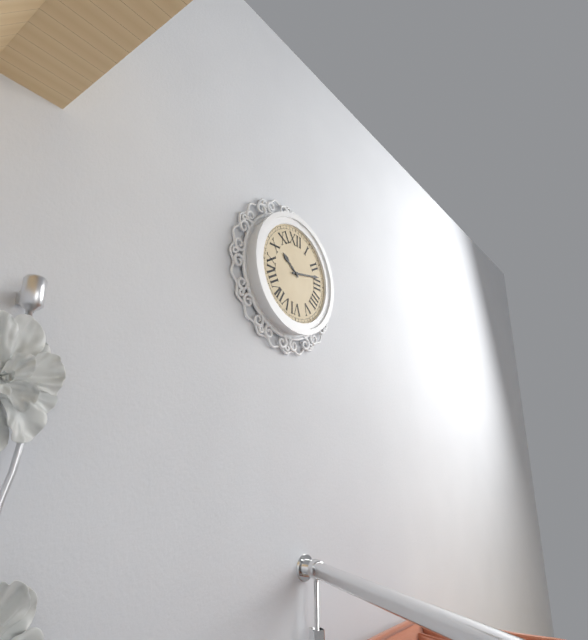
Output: **10:13**
